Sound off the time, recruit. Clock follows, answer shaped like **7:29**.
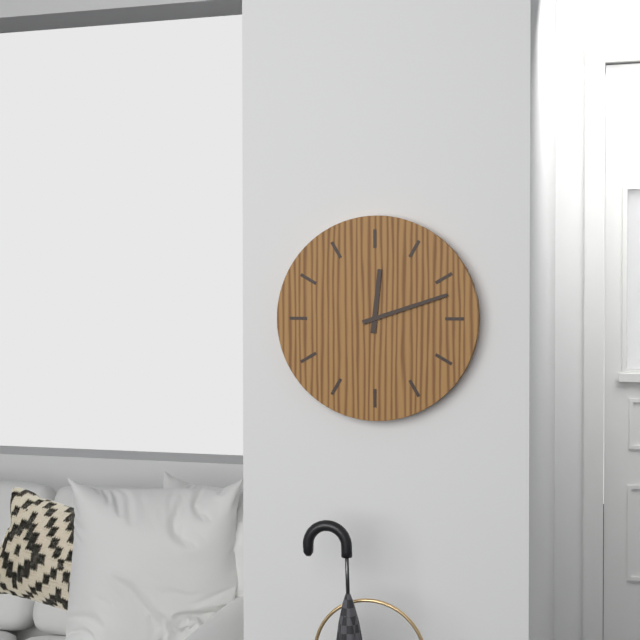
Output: **12:12**
